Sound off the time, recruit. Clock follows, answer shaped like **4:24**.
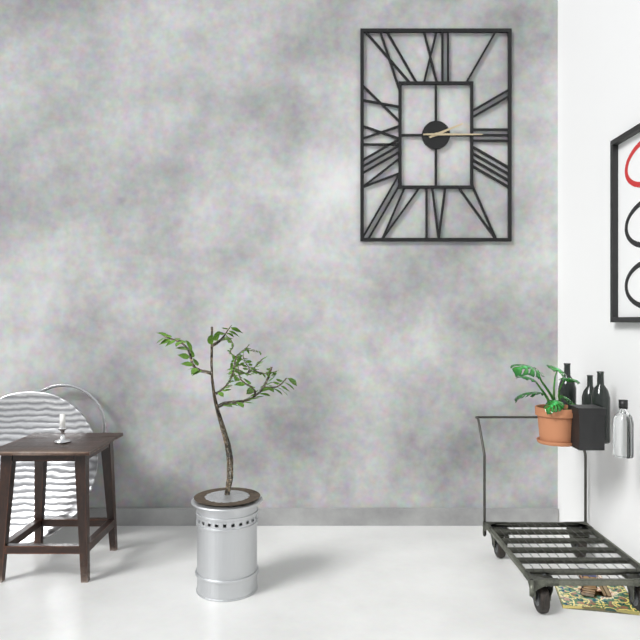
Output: **2:15**
